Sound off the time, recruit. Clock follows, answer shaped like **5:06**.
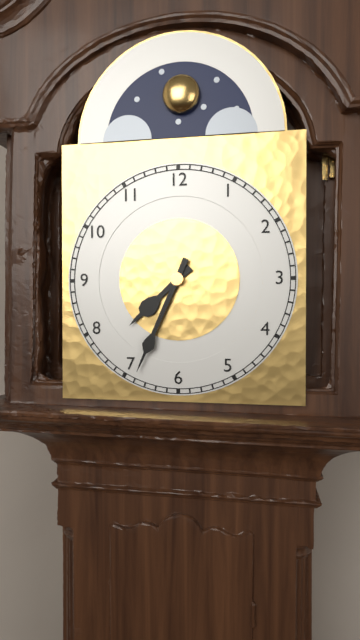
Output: **7:34**
